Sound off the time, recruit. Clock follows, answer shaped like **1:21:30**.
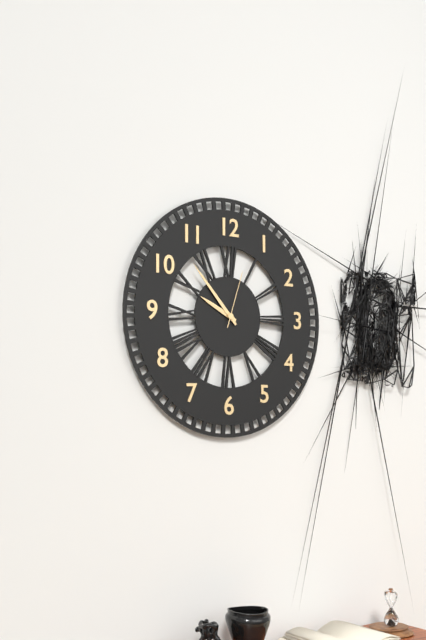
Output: **9:53:03**
